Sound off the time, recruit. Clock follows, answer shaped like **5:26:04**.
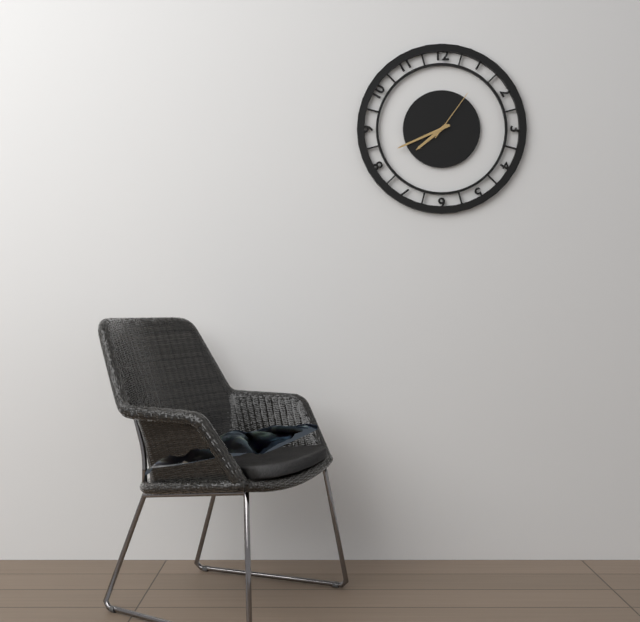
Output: **7:41:06**
